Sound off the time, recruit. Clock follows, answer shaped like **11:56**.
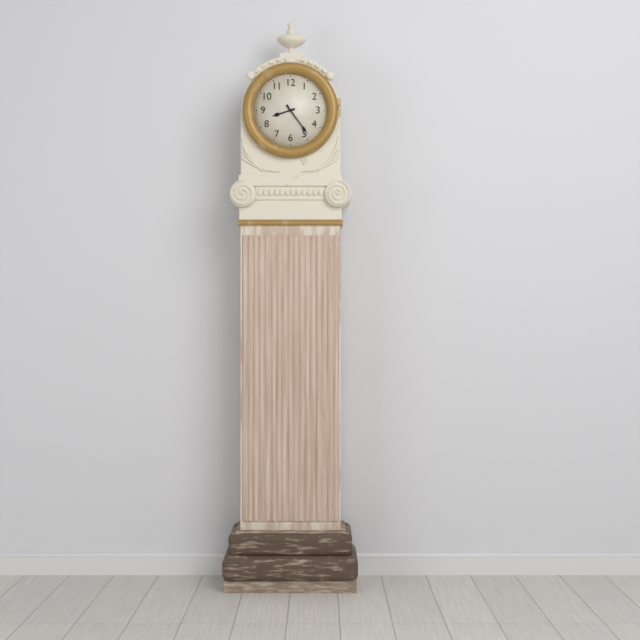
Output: **8:24**
